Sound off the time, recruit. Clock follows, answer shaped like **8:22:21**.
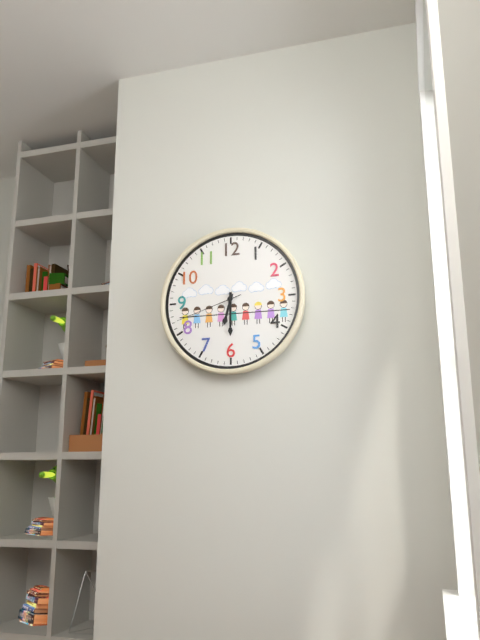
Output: **6:30:42**
